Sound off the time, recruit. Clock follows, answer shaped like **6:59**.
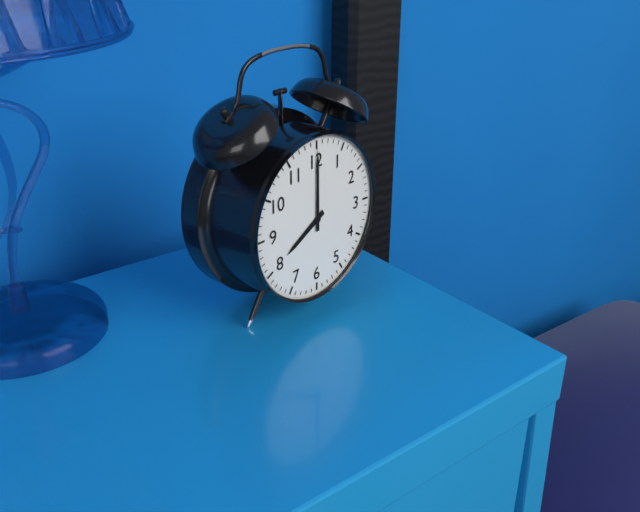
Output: **8:00**
